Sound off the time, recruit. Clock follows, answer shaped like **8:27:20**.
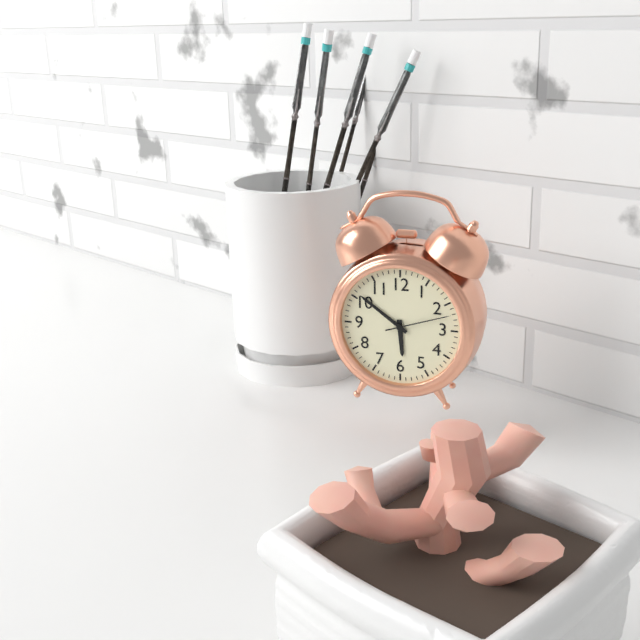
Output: **5:51:12**
